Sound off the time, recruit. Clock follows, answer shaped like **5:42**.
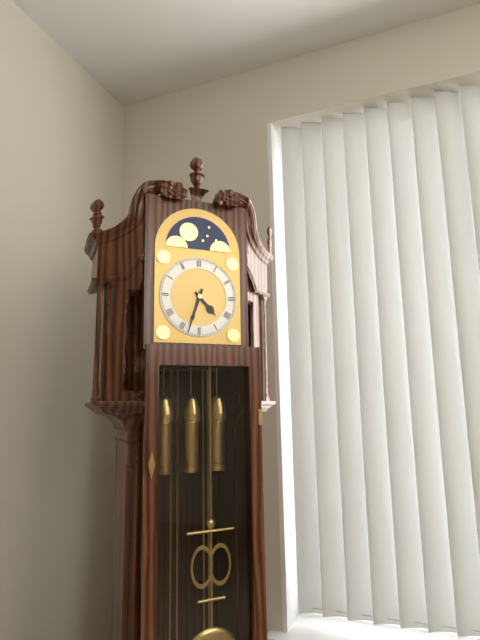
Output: **4:33**
